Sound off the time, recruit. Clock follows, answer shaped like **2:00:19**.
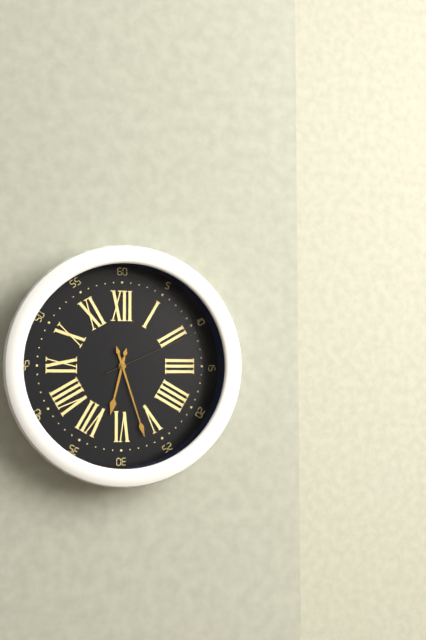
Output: **6:27:11**
